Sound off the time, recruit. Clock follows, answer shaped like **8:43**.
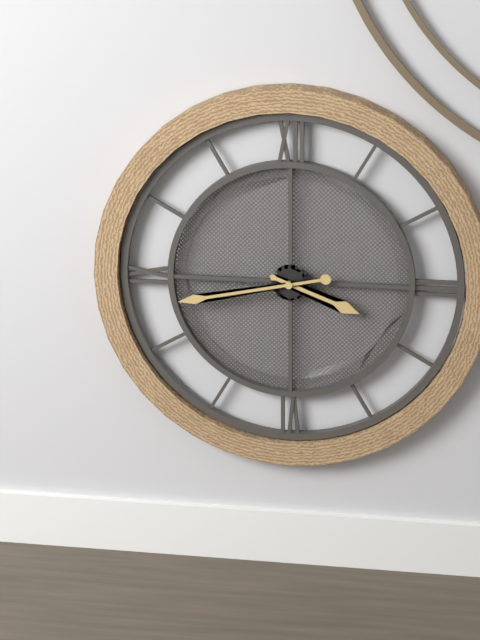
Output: **3:43**
